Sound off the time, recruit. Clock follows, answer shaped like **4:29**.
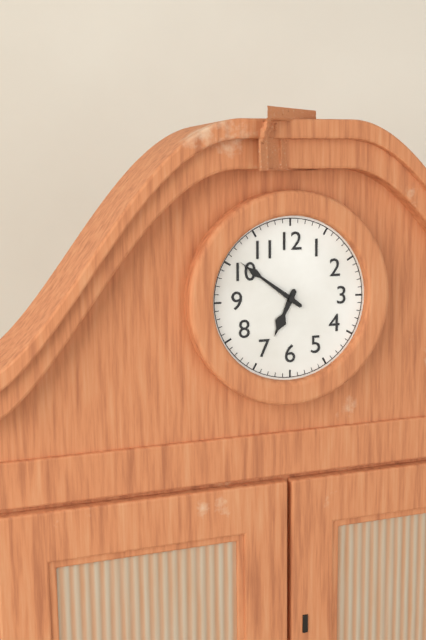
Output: **6:51**
